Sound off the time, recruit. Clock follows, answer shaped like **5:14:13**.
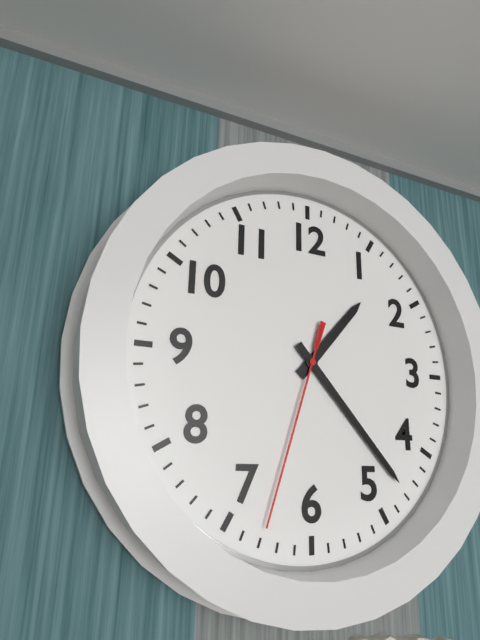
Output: **1:23:33**
